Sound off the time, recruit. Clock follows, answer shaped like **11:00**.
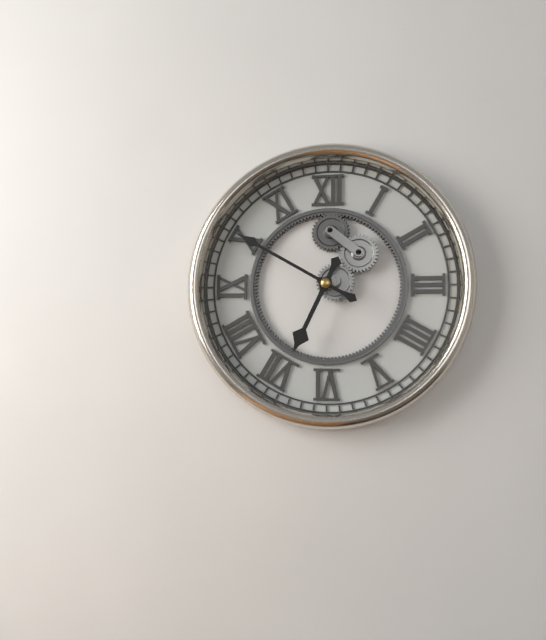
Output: **6:50**
